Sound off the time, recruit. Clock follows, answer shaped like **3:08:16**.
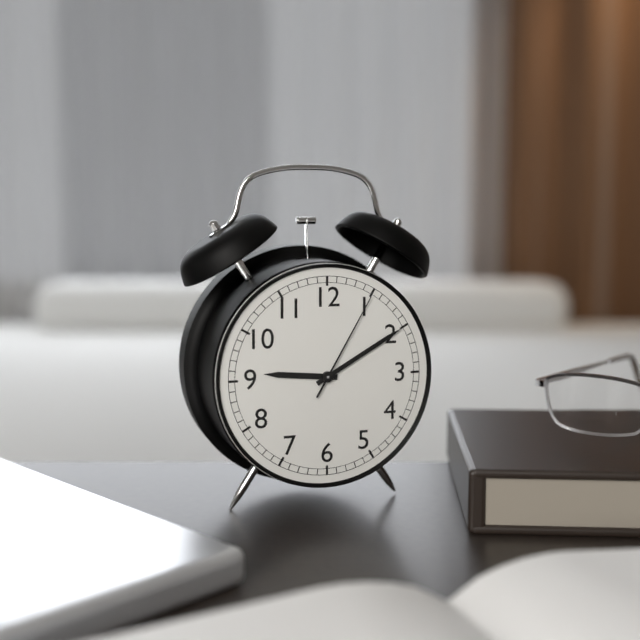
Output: **9:10:05**
